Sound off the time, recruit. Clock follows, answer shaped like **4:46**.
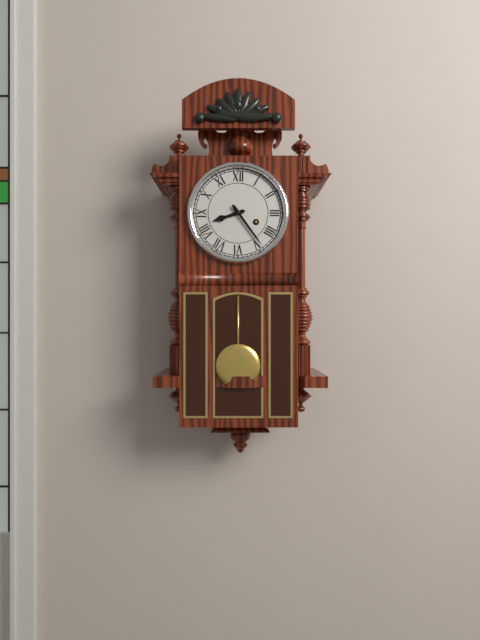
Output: **8:24**
